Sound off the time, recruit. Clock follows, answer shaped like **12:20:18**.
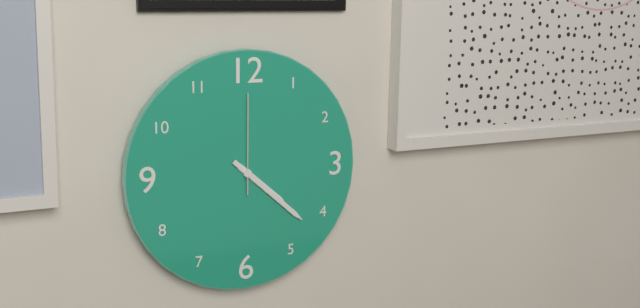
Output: **4:22:00**
